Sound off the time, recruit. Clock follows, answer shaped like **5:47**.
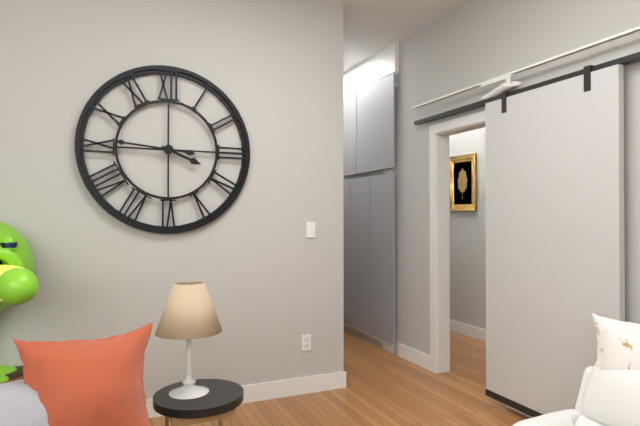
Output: **3:46**
